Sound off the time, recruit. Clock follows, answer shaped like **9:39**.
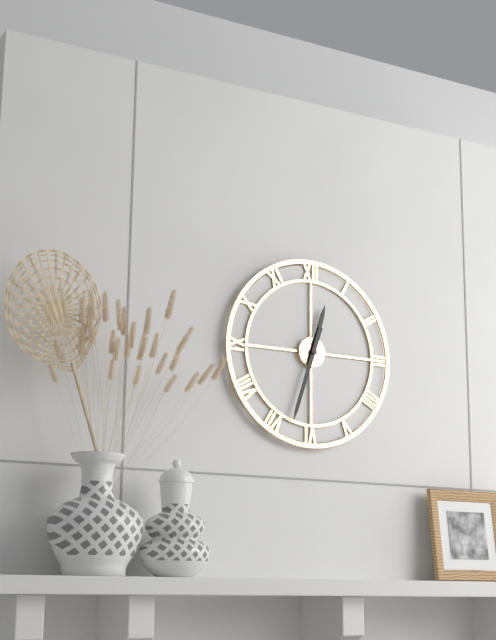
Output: **12:33**
